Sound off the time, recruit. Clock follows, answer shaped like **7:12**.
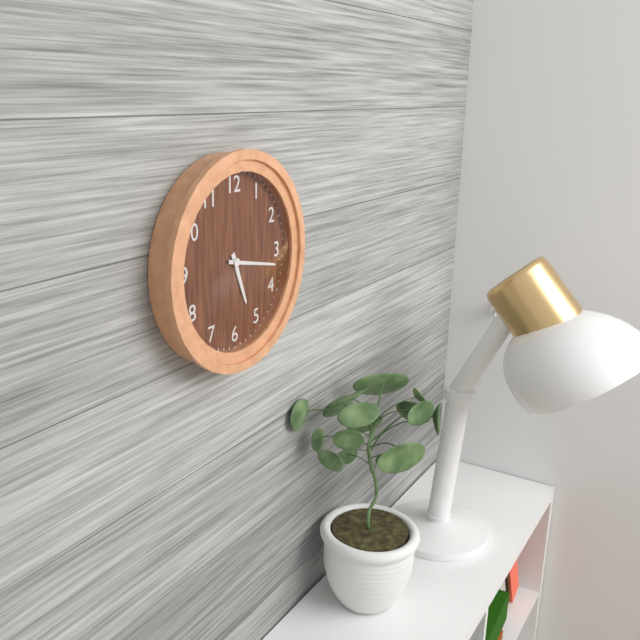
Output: **5:17**
